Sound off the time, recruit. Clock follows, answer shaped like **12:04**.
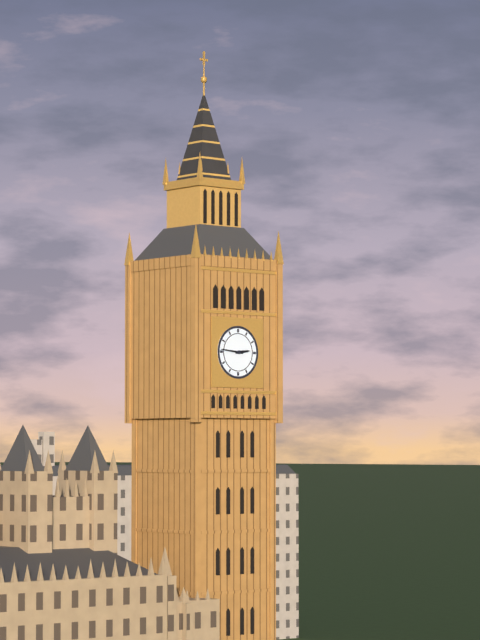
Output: **2:46**
